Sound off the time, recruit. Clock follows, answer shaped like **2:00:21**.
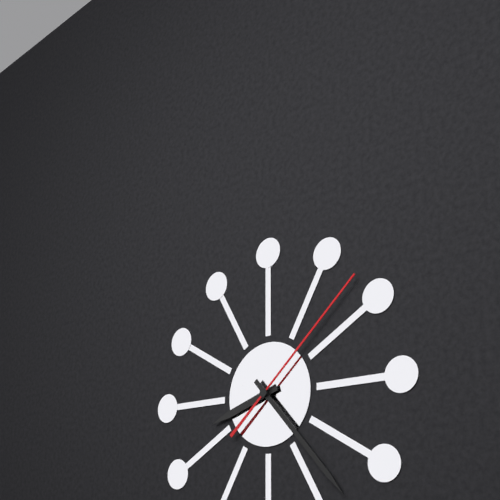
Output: **8:23:08**
